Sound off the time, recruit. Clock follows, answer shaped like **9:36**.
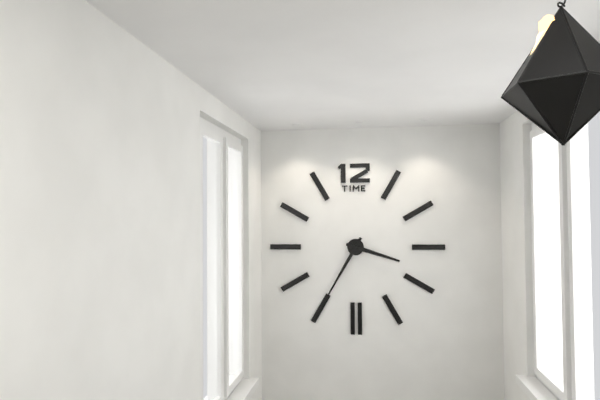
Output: **3:35**
